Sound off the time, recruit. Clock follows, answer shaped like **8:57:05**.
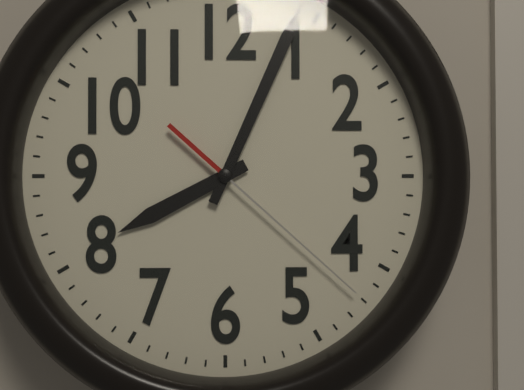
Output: **8:04:22**
